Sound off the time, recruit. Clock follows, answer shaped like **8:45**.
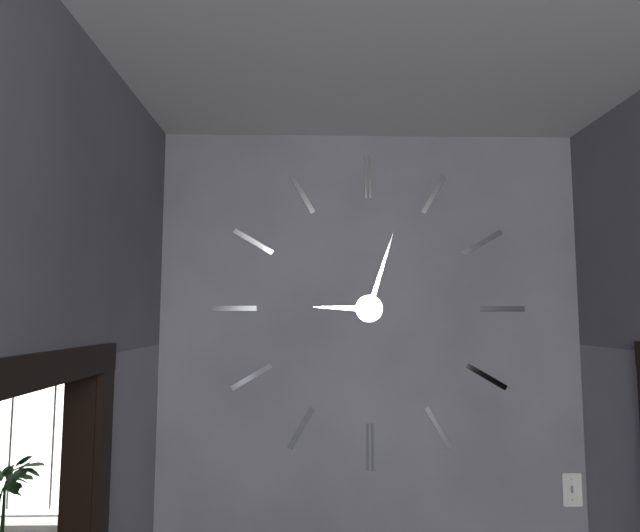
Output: **9:03**
